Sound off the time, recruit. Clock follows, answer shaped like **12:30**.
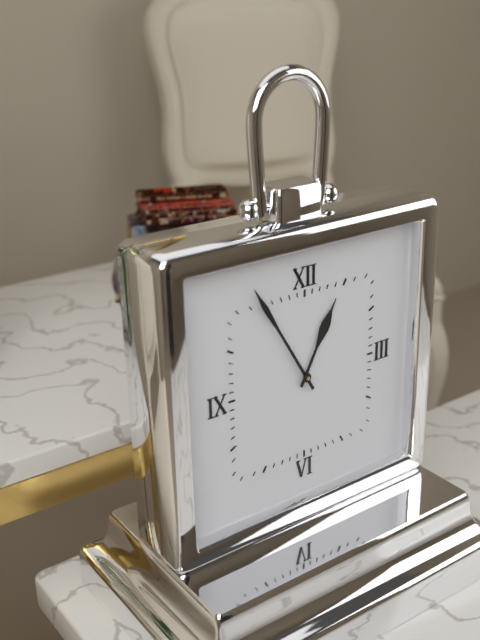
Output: **12:55**
